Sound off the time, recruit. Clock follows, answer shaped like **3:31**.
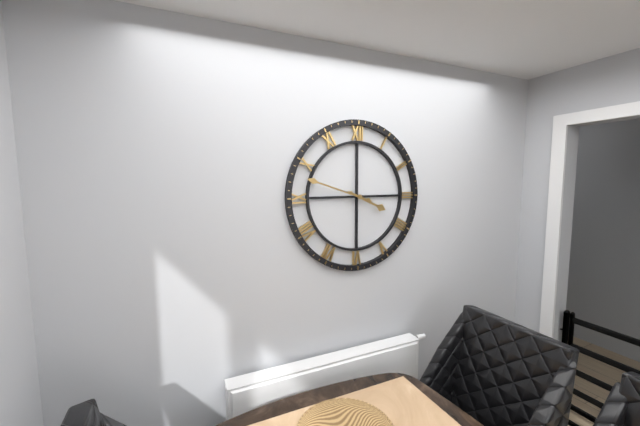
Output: **3:48**
